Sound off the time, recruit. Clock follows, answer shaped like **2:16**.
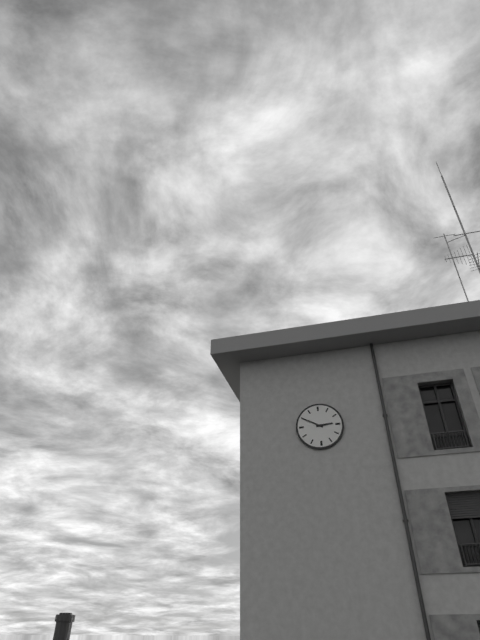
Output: **2:50**
